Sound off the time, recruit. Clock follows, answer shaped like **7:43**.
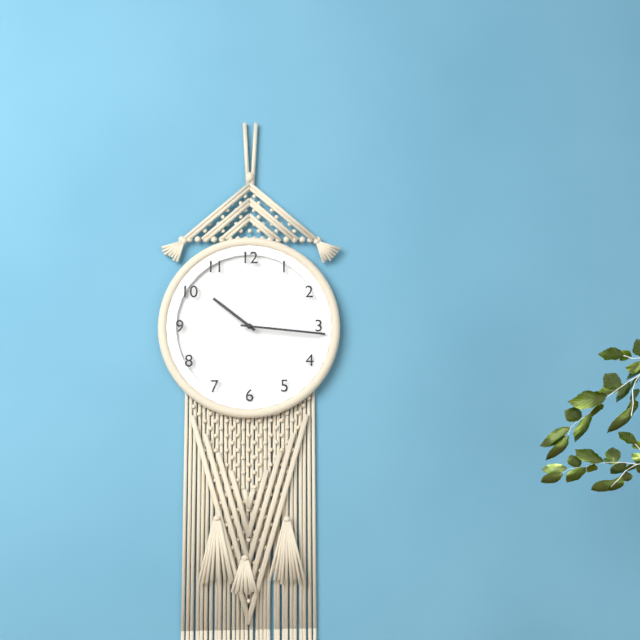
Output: **10:16**
